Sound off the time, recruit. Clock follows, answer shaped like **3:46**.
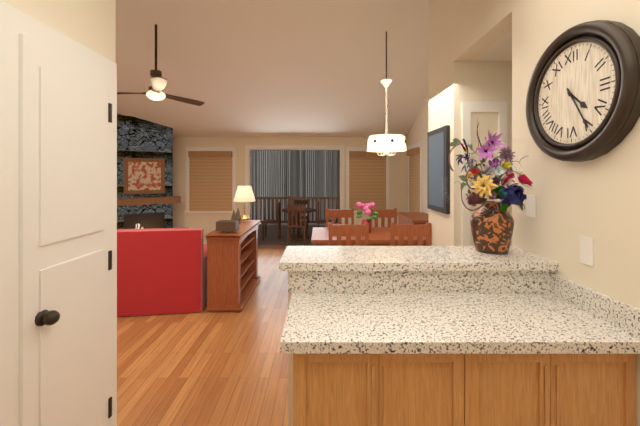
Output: **4:25**
